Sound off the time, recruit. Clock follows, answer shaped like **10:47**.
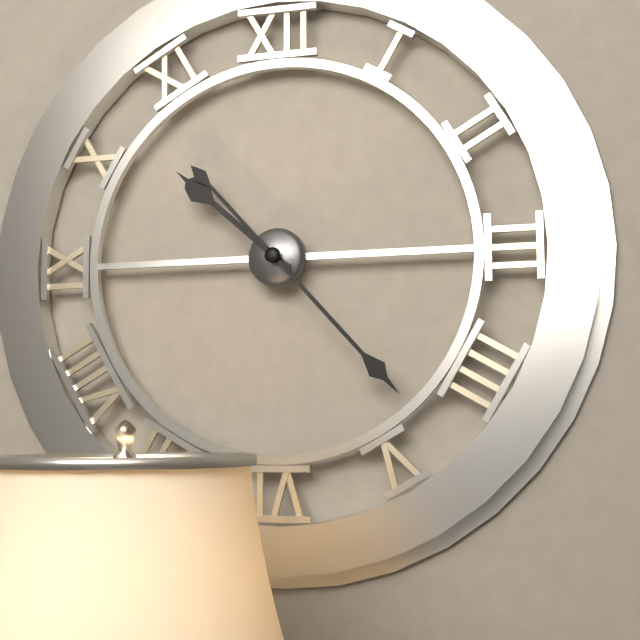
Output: **10:23**
